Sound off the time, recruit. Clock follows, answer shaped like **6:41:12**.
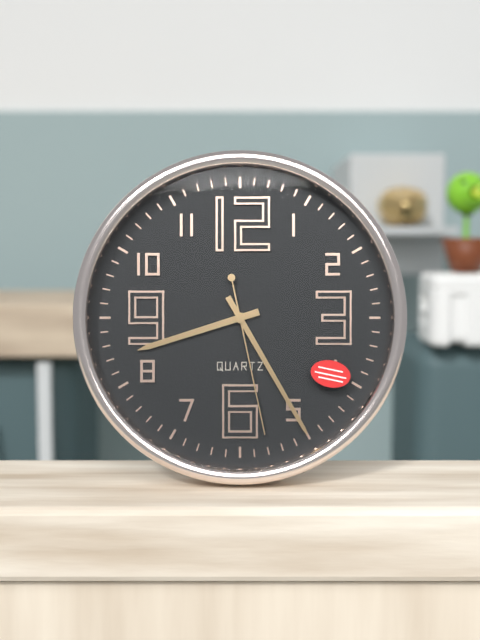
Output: **8:25:28**
